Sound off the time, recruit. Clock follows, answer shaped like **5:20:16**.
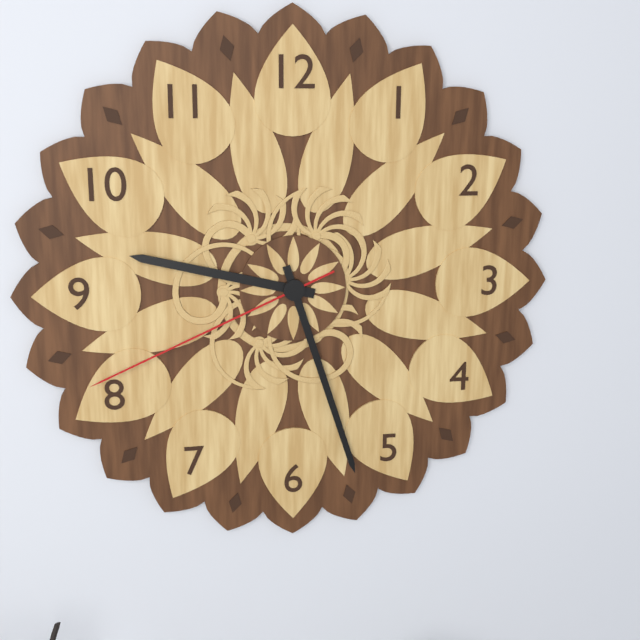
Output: **9:27:41**
